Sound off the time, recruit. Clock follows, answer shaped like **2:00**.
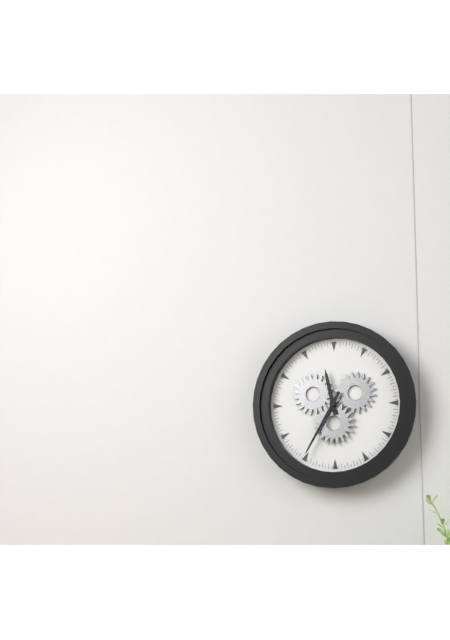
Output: **11:35**
